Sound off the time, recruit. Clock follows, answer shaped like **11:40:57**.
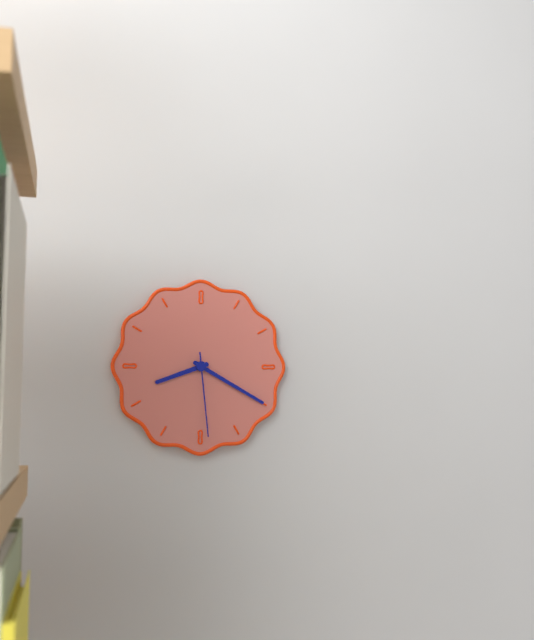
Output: **8:20:29**
